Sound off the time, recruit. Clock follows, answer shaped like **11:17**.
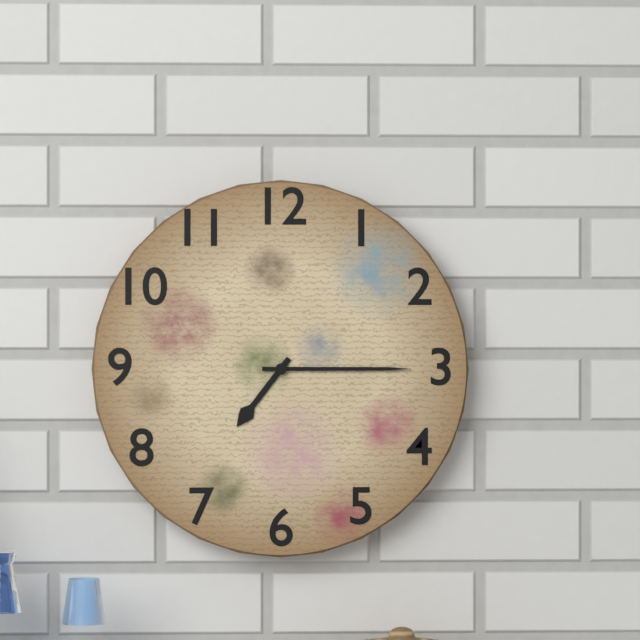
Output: **7:15**
